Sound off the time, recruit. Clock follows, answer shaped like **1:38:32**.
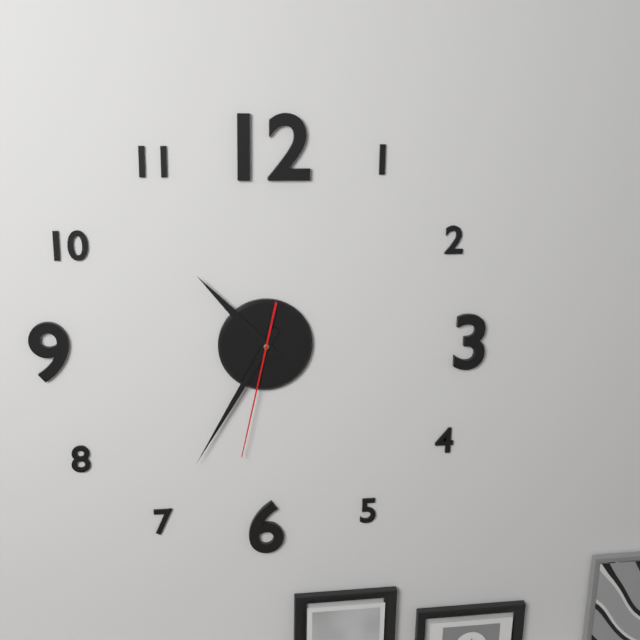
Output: **10:35:32**
